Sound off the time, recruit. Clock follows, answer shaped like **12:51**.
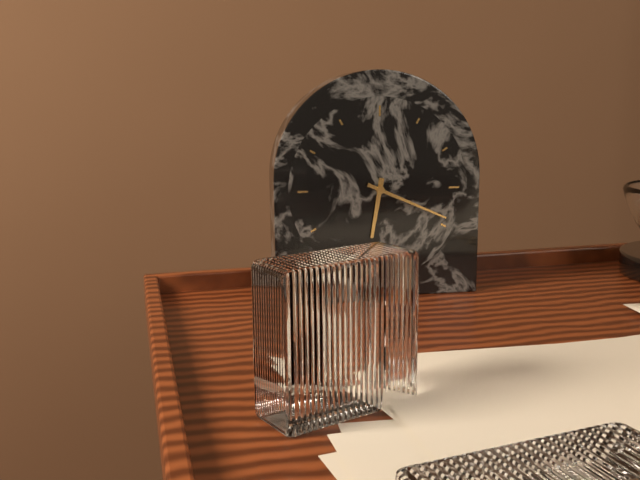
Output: **6:19**
